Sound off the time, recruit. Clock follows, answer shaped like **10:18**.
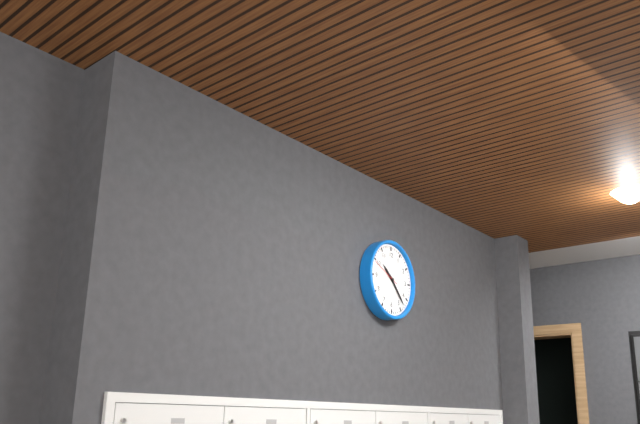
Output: **10:23**
